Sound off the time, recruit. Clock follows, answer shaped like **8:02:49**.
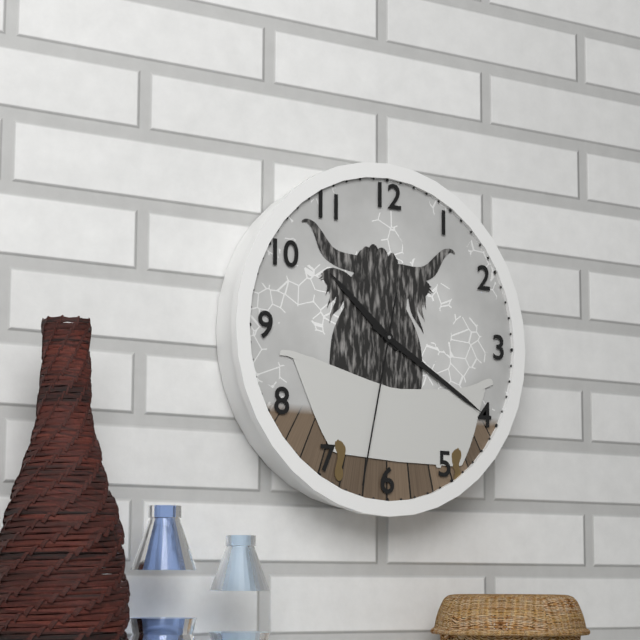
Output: **10:20:32**
